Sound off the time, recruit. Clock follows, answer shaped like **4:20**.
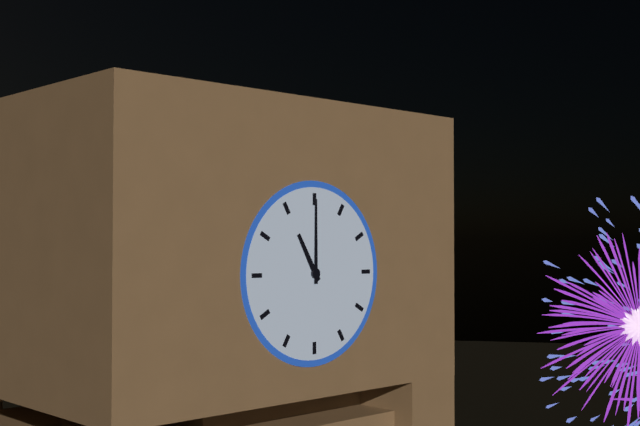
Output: **11:00**
